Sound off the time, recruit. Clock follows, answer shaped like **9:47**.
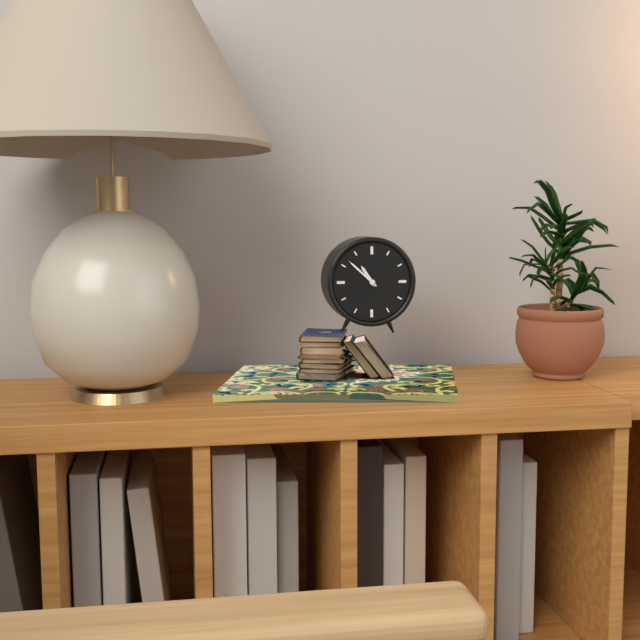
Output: **10:52**
